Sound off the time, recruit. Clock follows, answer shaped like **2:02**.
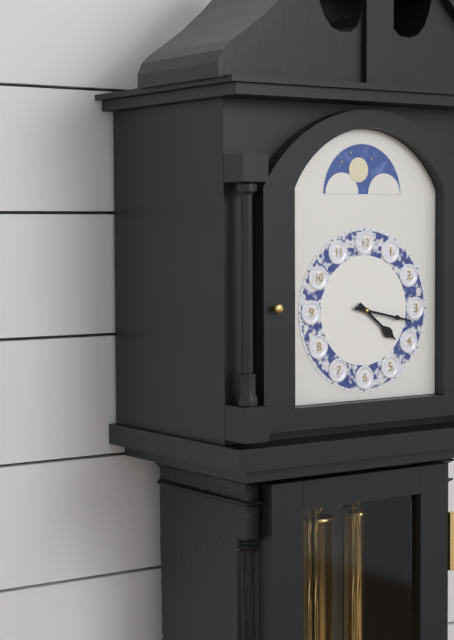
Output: **4:17**
